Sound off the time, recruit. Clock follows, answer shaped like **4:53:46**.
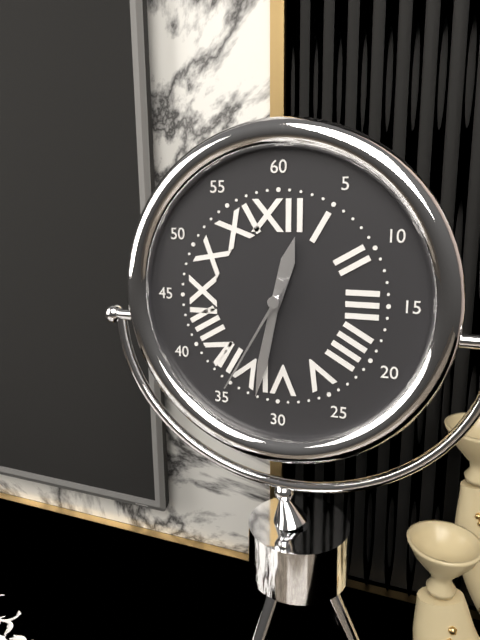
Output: **12:32:35**
